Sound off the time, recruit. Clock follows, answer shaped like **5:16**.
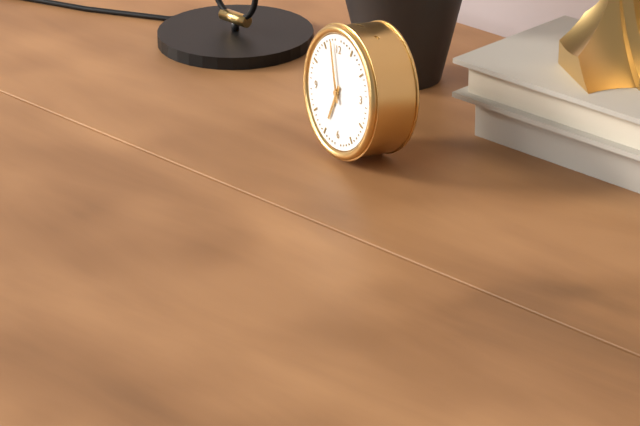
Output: **6:58**
